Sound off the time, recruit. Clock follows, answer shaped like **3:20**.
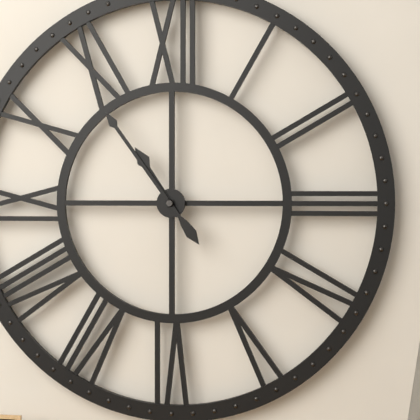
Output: **10:54**
